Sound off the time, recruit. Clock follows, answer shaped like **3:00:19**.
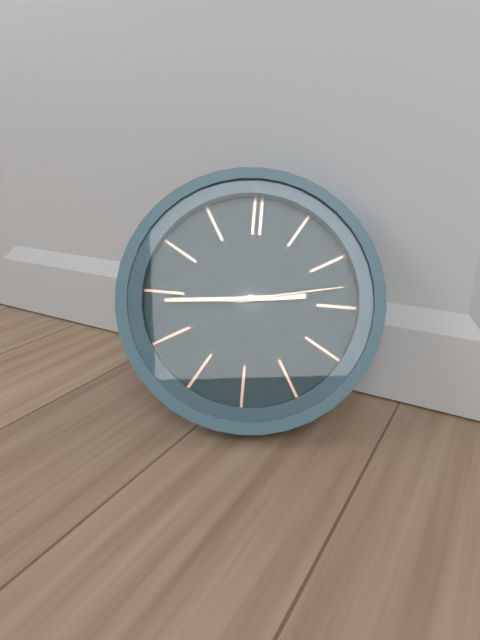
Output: **2:44:13**
